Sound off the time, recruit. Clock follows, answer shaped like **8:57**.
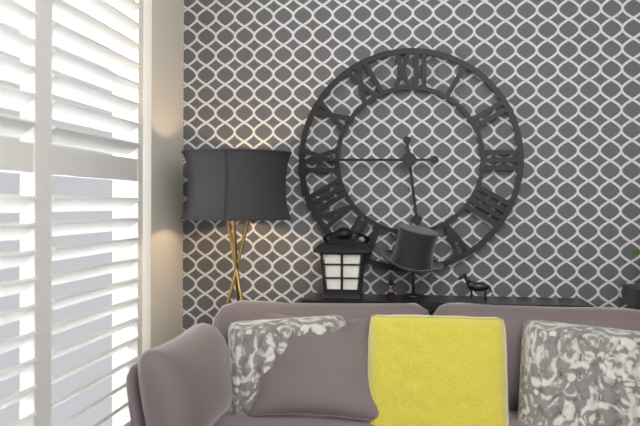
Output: **5:45**
